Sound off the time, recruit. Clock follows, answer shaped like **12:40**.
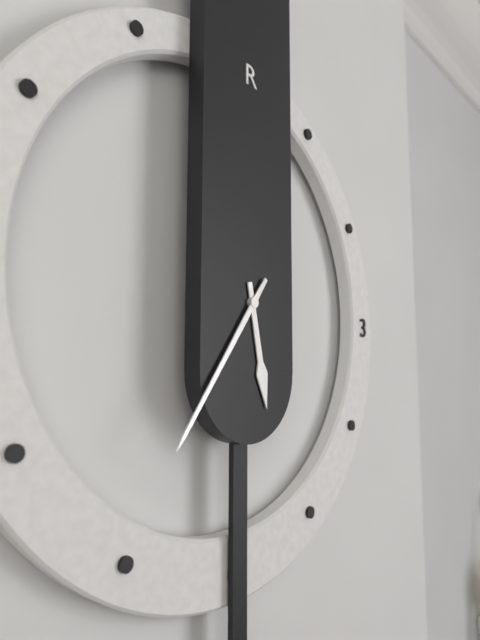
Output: **5:36**
